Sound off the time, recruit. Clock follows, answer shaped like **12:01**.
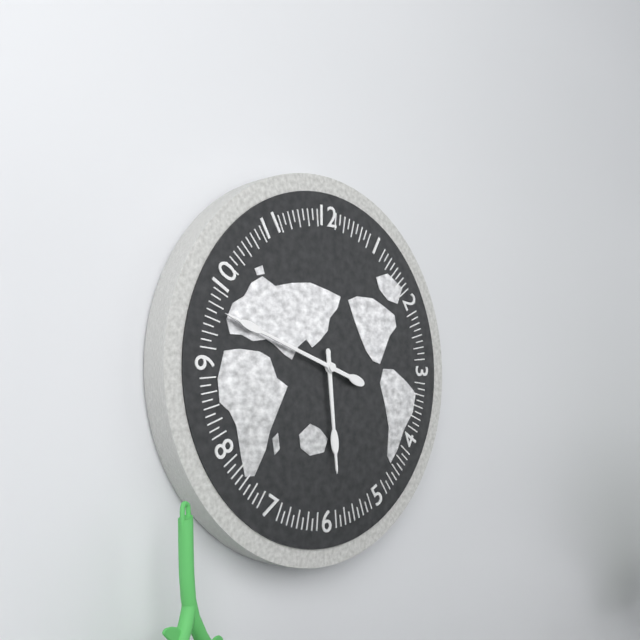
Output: **5:48**
